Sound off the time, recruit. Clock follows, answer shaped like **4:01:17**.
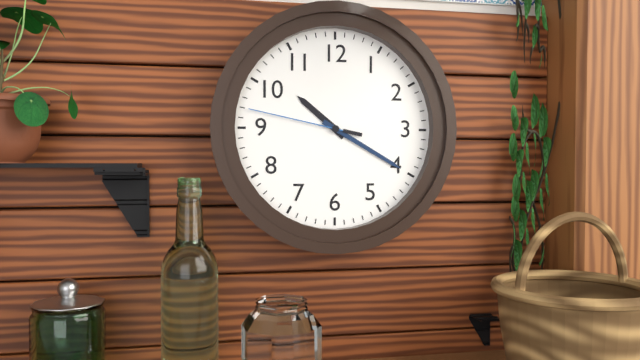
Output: **10:20:47**
